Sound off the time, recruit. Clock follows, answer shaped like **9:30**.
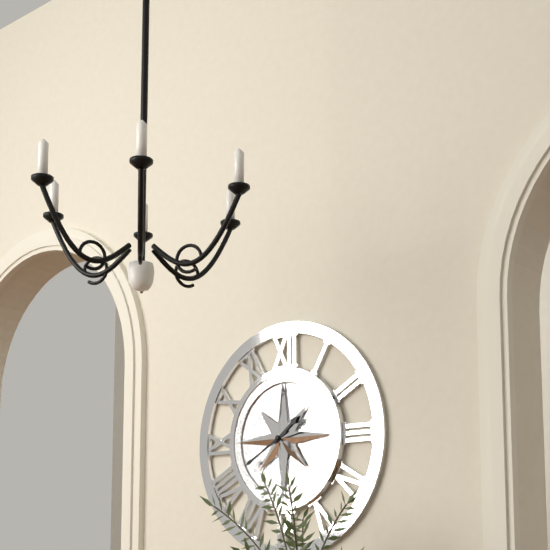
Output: **1:40**
